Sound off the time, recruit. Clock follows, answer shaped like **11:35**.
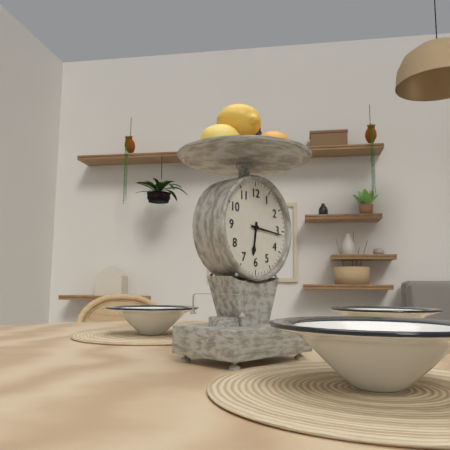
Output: **6:16**
